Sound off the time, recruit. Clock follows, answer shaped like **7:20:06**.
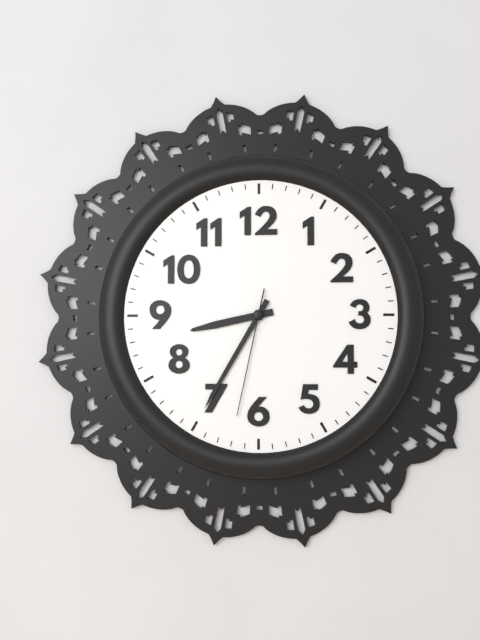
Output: **8:35:32**
